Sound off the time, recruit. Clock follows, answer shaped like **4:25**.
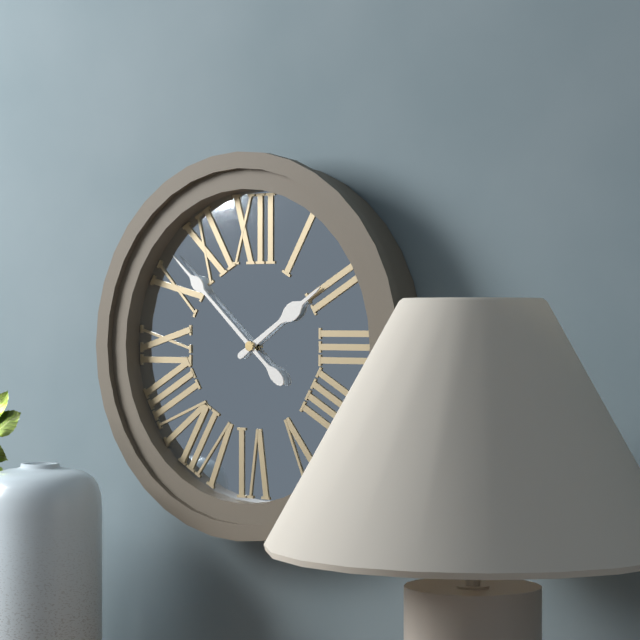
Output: **1:52**
